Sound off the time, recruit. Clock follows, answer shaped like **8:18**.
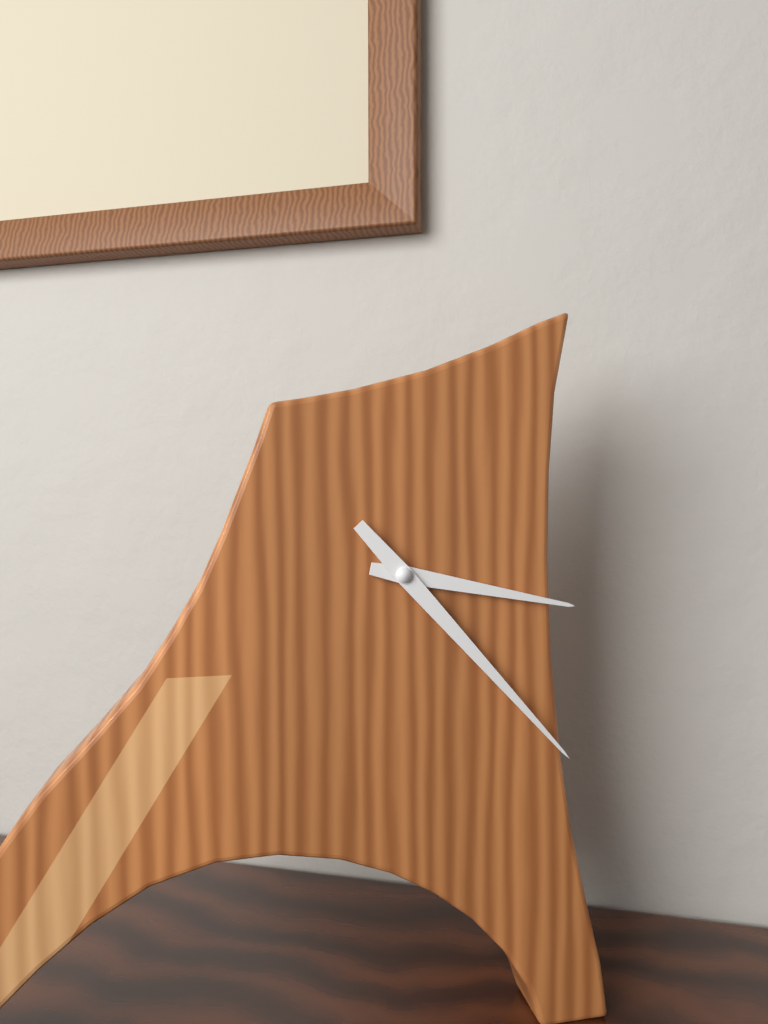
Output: **3:23**
